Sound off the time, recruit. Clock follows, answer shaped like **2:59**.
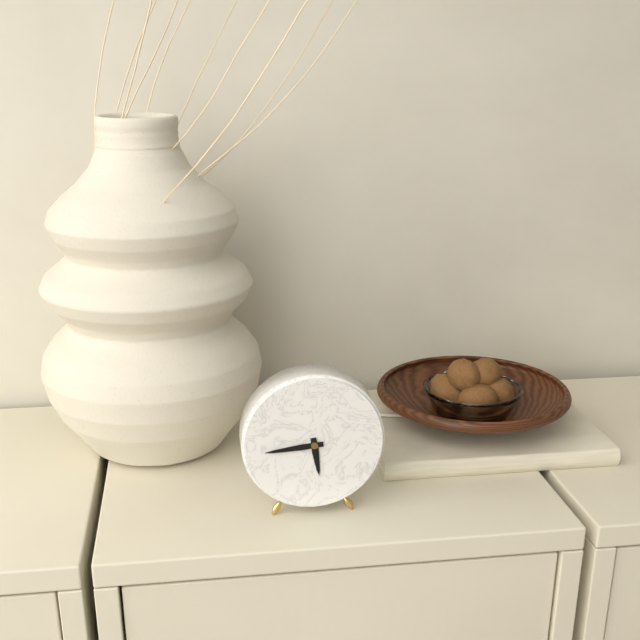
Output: **5:44**
